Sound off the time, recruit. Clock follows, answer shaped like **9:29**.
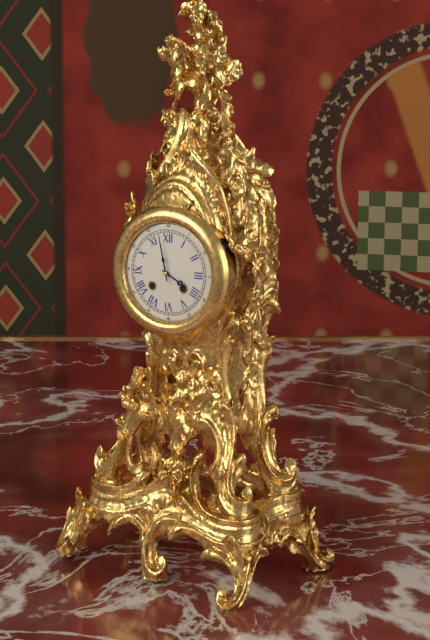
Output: **3:58**
